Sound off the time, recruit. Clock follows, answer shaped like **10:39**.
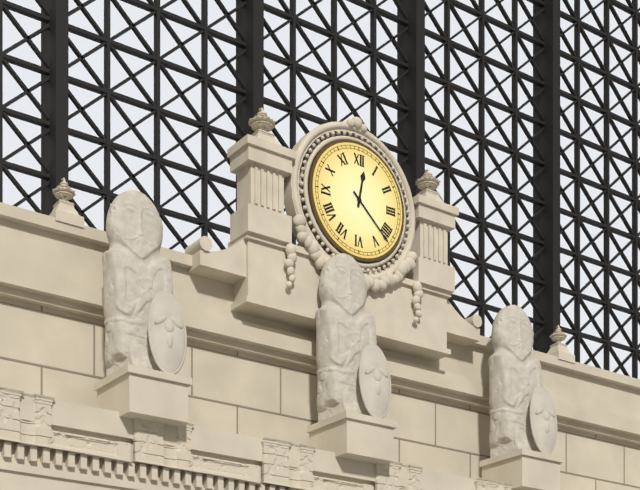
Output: **12:22**
